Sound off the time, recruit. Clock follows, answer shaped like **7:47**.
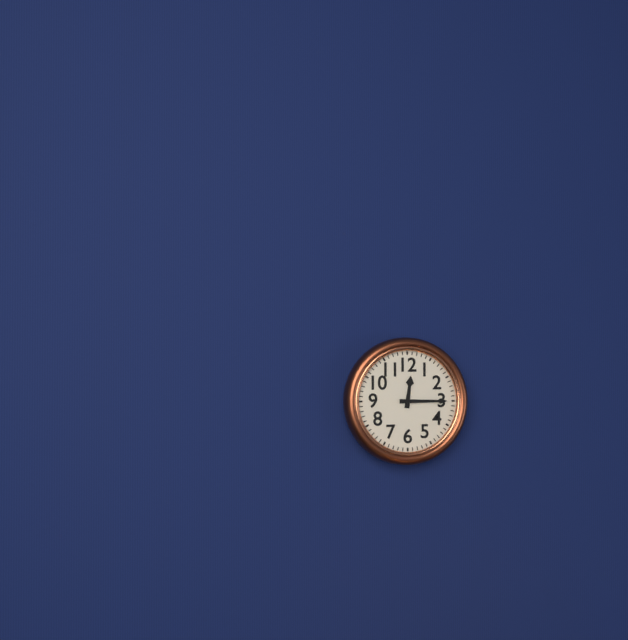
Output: **12:15**
